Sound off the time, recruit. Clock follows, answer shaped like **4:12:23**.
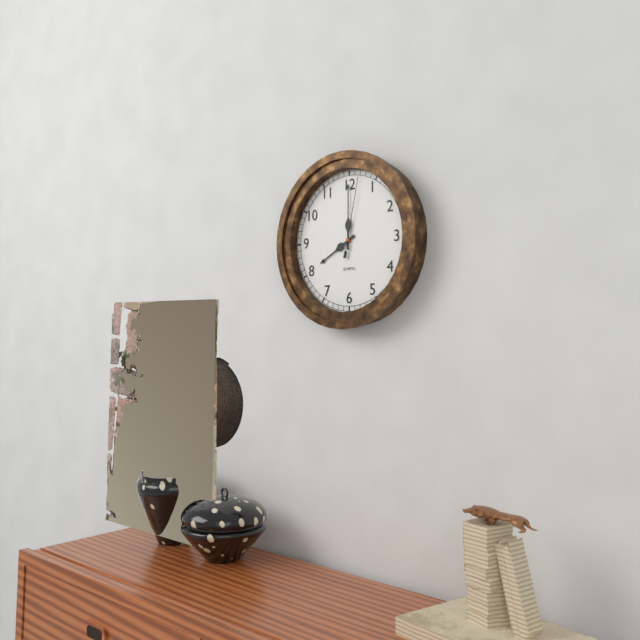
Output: **8:00:02**
